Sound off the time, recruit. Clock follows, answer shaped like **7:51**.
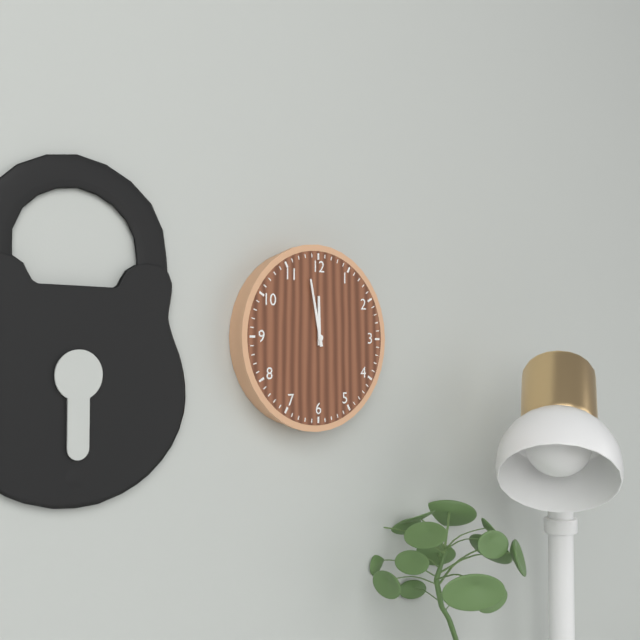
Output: **11:58**
